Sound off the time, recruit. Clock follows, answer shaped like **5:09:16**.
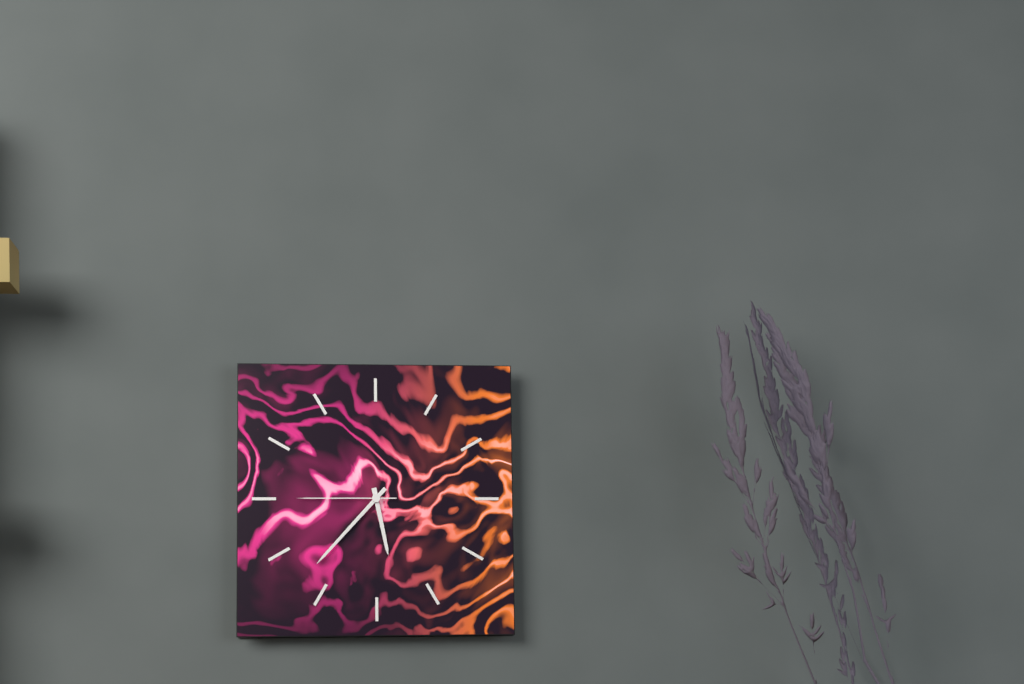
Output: **5:37:45**
